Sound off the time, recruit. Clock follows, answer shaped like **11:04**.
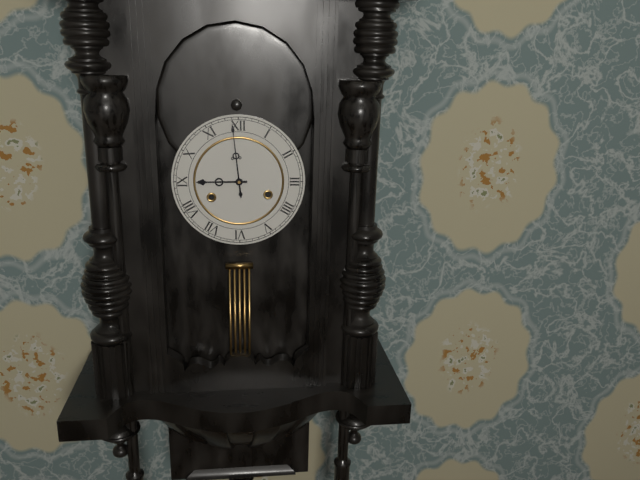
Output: **8:59**
